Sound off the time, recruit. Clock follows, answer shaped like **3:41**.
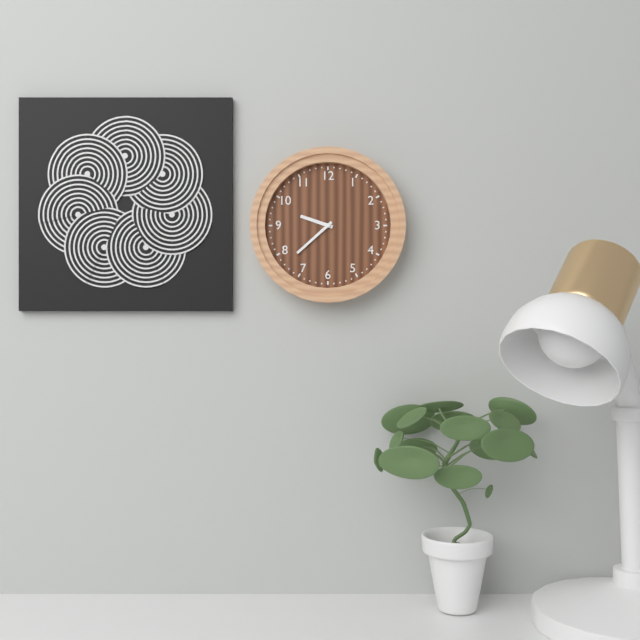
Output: **9:38**
